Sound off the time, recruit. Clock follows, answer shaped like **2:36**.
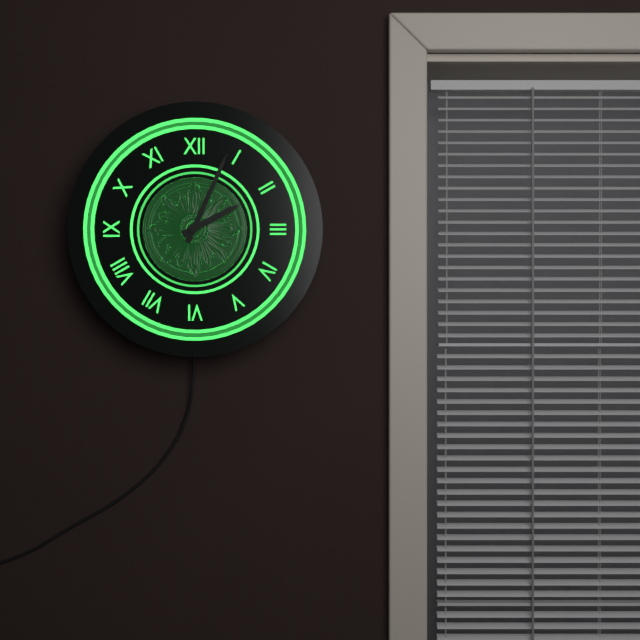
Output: **2:04**
